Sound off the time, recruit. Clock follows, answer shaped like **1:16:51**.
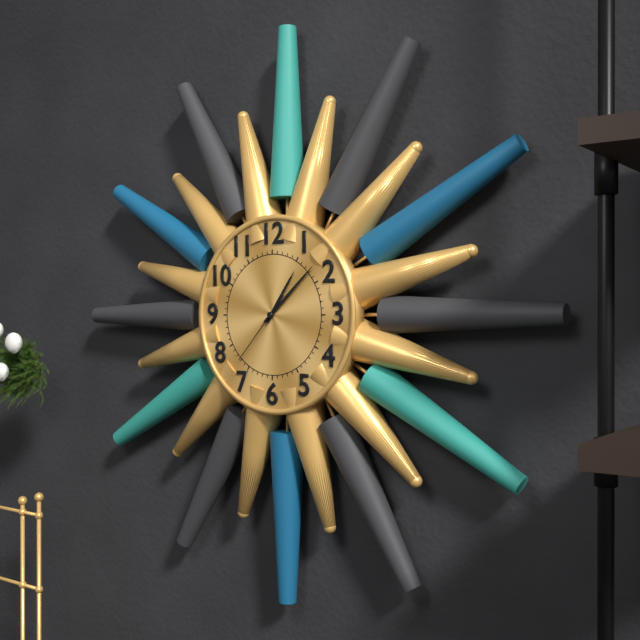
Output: **1:08:37**
